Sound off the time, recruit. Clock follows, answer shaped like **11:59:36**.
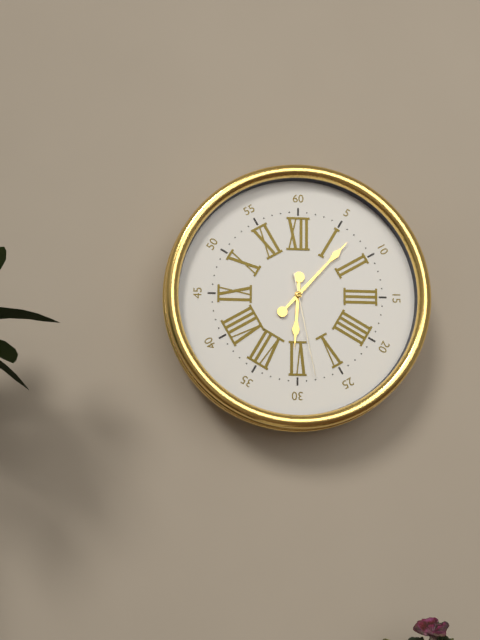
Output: **6:07:28**
